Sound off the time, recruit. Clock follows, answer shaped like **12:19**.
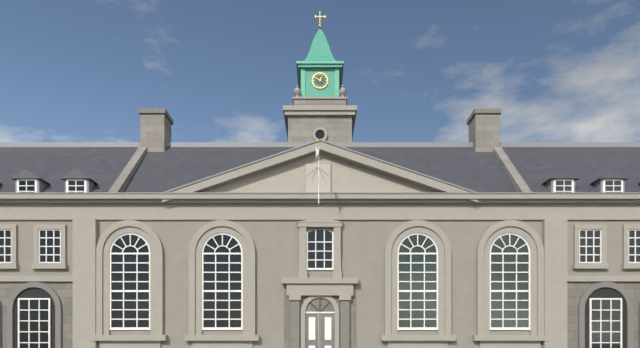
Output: **12:50**
